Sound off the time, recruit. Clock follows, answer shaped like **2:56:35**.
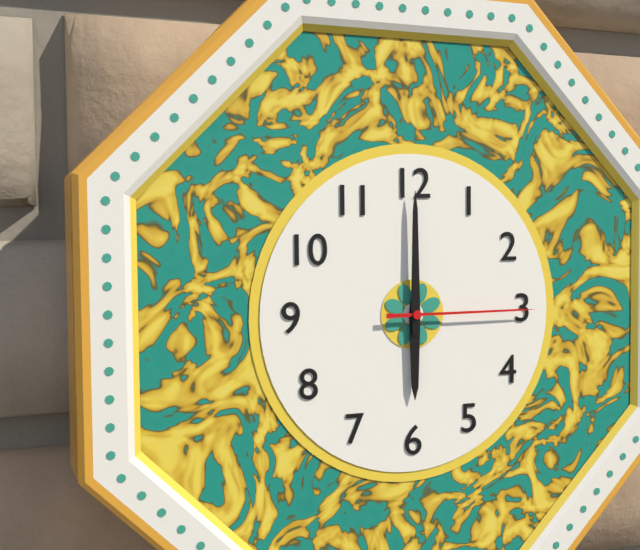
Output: **6:00:15**
